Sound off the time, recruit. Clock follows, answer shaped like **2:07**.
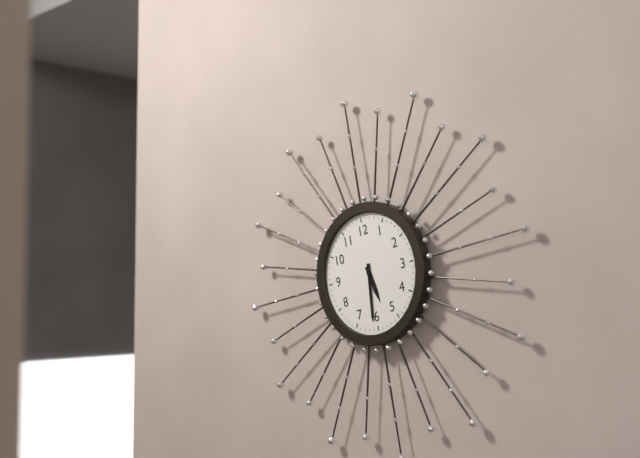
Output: **5:31**
